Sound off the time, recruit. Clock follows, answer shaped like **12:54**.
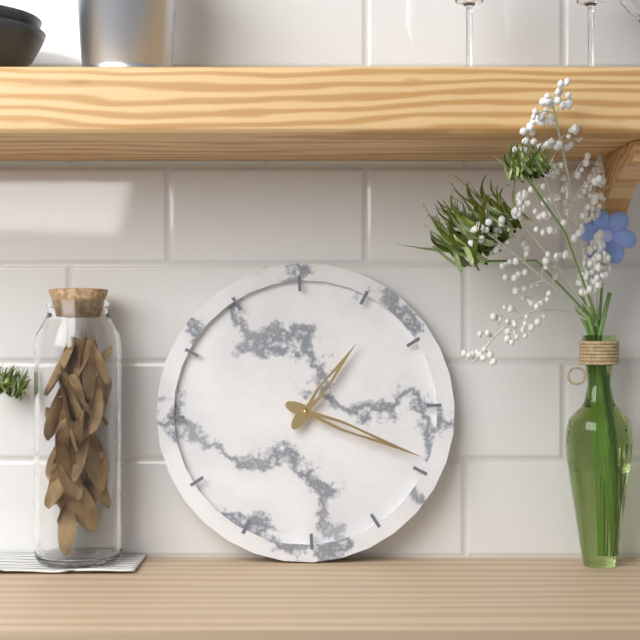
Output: **1:19**
